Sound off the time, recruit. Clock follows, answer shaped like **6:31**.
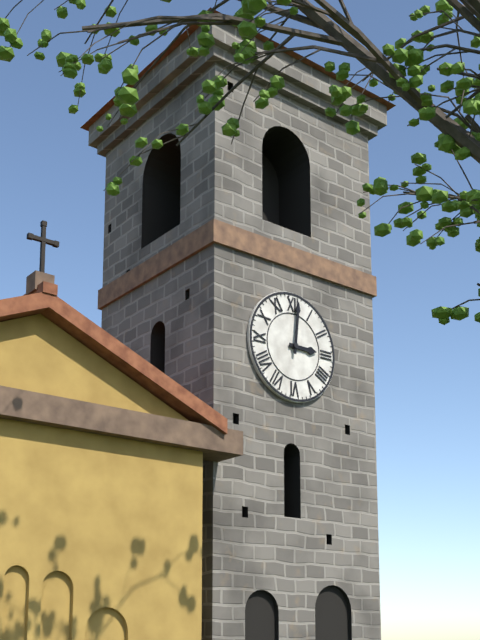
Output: **3:01**
